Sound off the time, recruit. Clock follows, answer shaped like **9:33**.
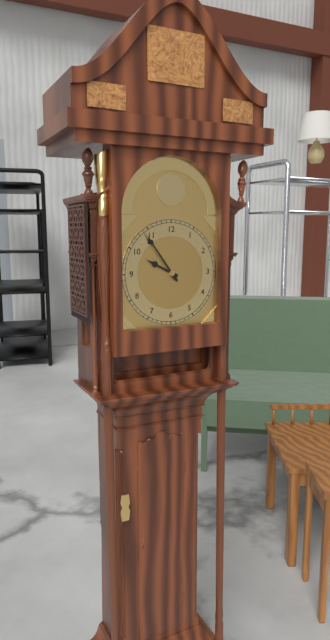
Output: **9:54**
